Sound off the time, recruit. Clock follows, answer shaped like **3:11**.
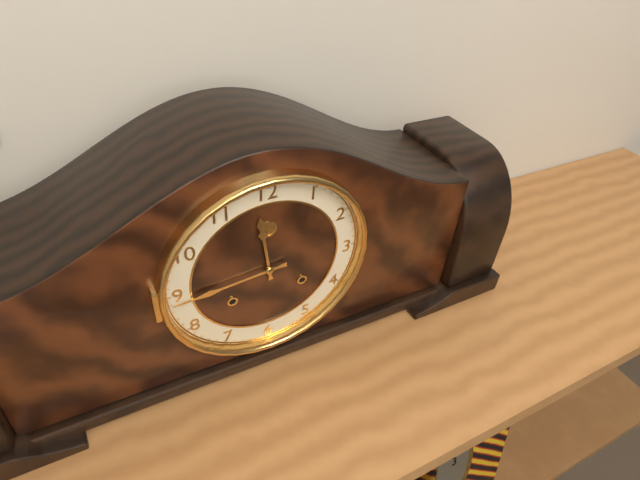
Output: **11:44**
